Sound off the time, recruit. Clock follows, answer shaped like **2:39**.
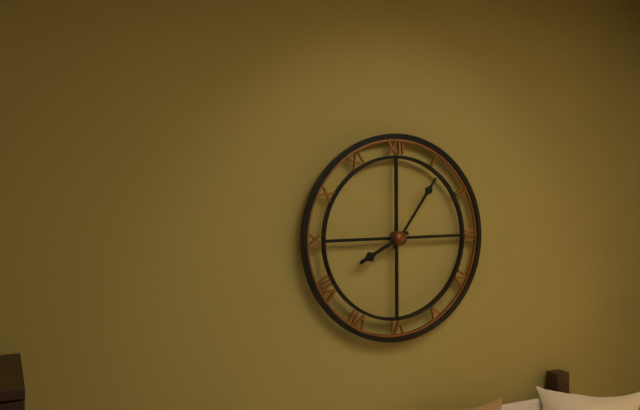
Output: **8:06**
